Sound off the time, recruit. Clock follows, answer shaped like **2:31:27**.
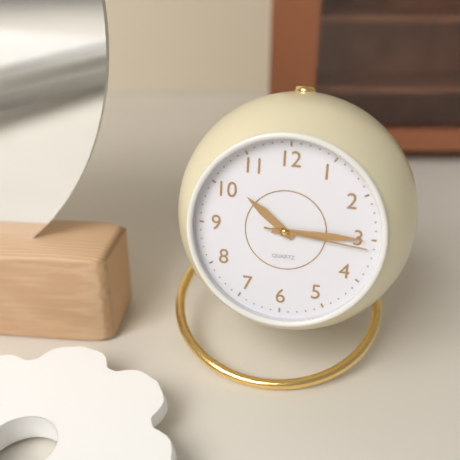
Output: **10:15:16**
